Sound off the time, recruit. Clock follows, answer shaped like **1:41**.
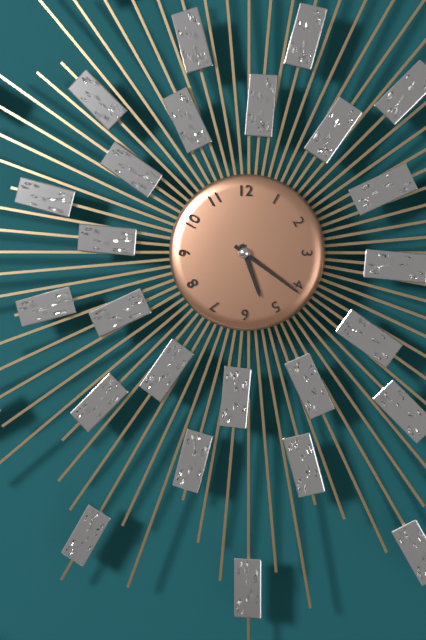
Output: **5:21**
